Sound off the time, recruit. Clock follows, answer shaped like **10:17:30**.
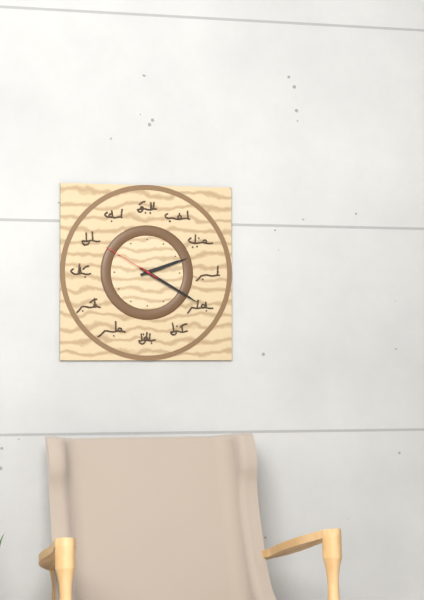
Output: **2:20:50**
